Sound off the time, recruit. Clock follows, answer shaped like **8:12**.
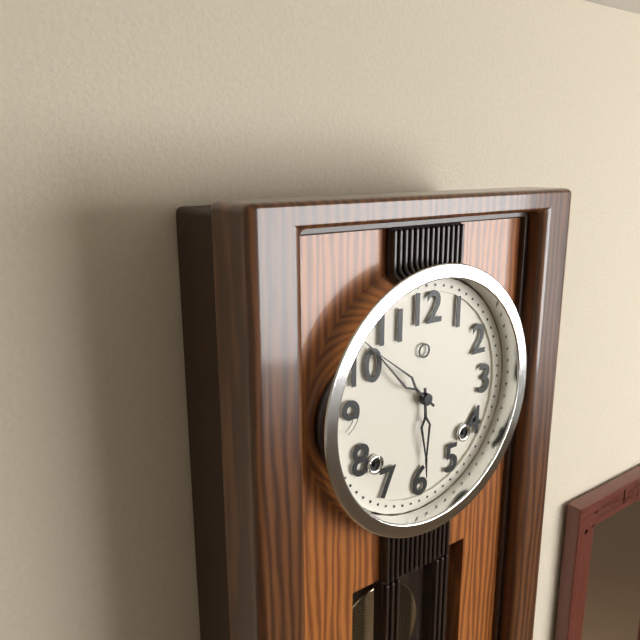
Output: **5:52**
